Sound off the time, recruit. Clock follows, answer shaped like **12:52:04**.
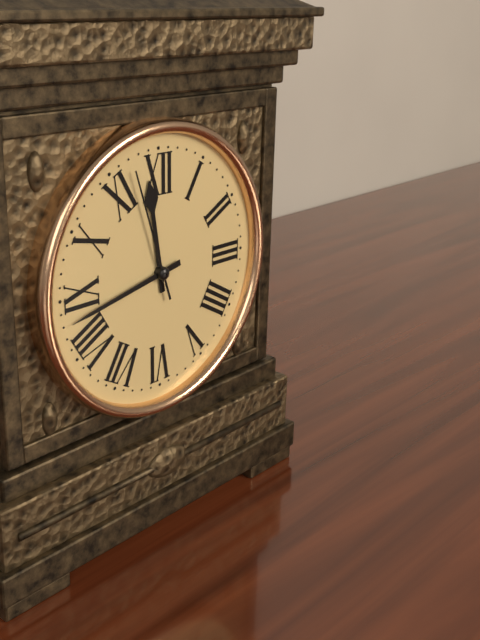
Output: **11:43:57**
